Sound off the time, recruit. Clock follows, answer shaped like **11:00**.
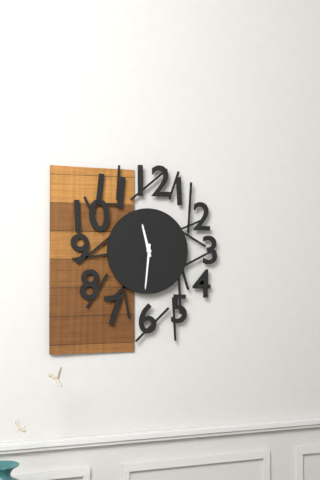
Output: **11:31**
